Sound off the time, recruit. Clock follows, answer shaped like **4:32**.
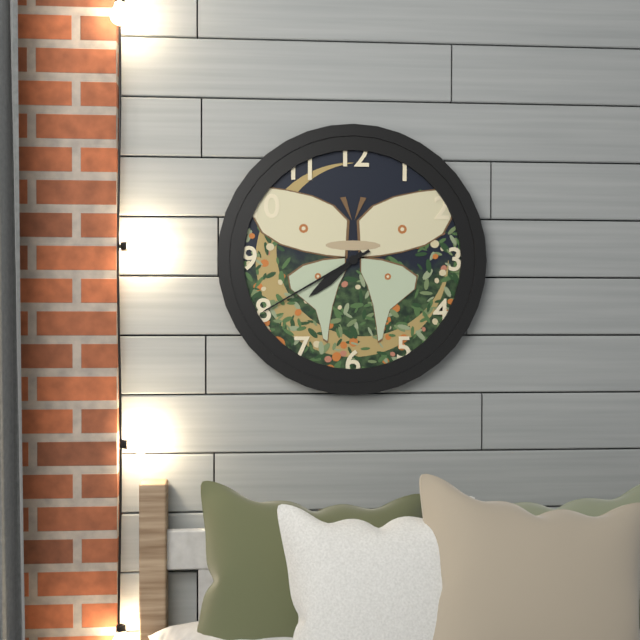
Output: **7:40**
